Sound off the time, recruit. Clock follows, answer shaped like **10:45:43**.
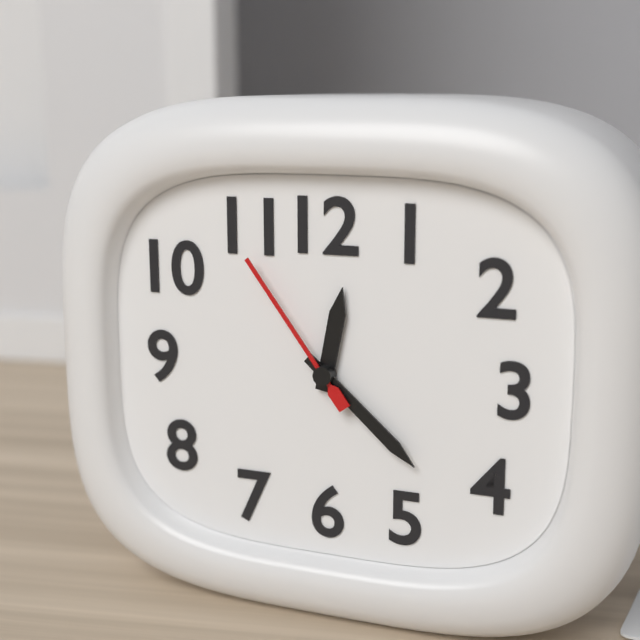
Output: **12:22:54**
